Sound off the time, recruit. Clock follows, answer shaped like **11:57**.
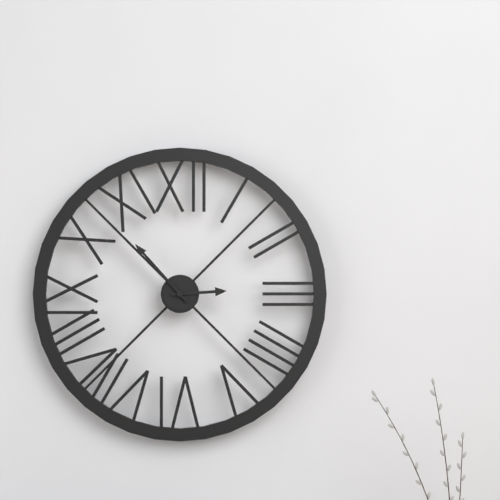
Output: **2:53**
